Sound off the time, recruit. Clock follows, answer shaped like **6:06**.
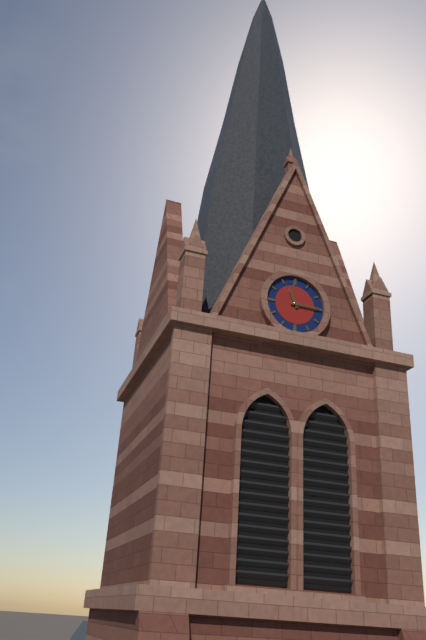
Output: **11:15**
